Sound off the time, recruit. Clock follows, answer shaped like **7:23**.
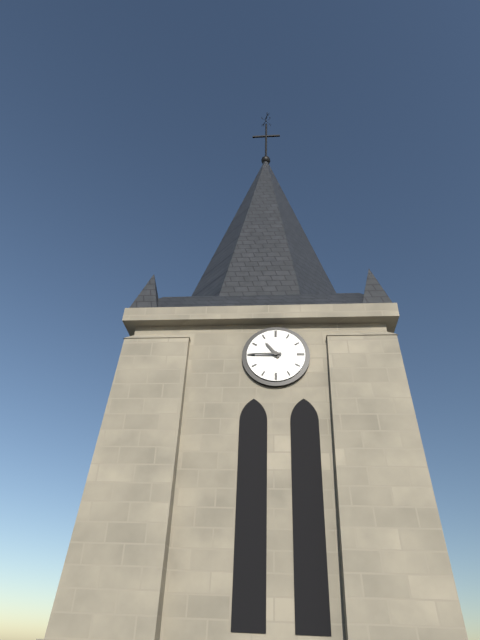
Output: **10:45**
